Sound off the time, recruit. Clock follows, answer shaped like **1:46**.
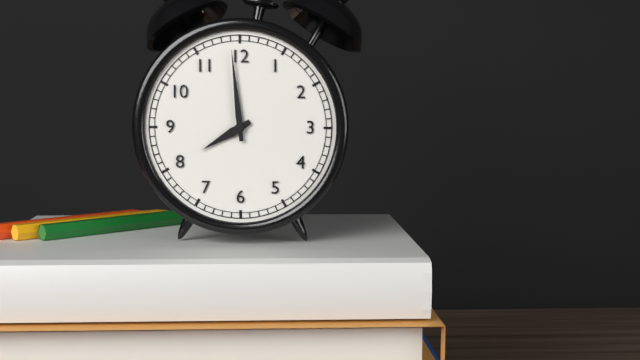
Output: **7:59**
